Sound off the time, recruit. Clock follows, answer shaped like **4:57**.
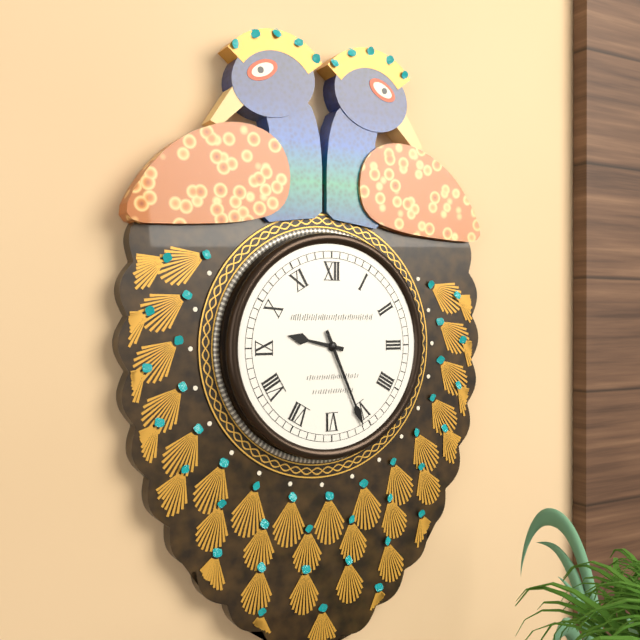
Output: **9:26**
